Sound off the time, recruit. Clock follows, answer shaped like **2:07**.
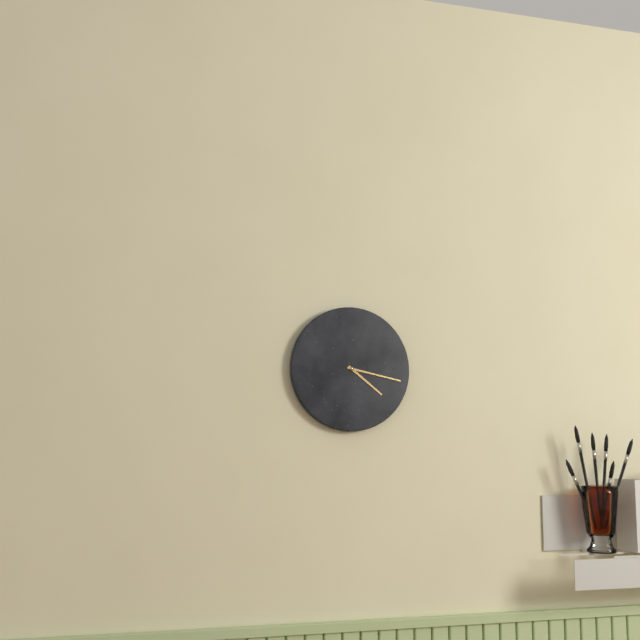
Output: **4:17**
